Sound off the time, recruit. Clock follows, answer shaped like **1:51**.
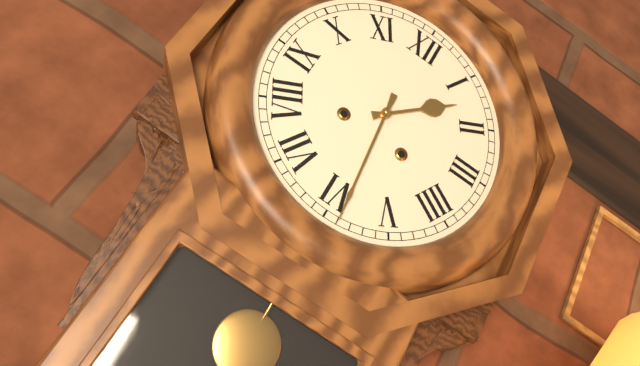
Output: **1:29**
